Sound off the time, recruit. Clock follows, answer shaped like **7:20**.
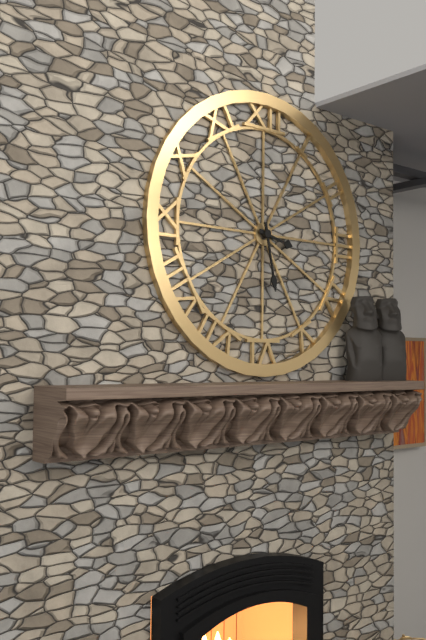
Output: **3:28**
